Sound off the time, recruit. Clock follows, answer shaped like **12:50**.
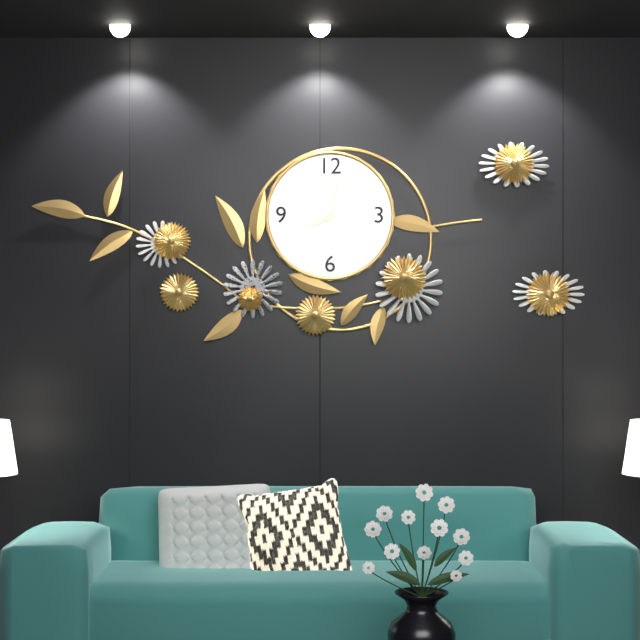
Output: **8:02**
